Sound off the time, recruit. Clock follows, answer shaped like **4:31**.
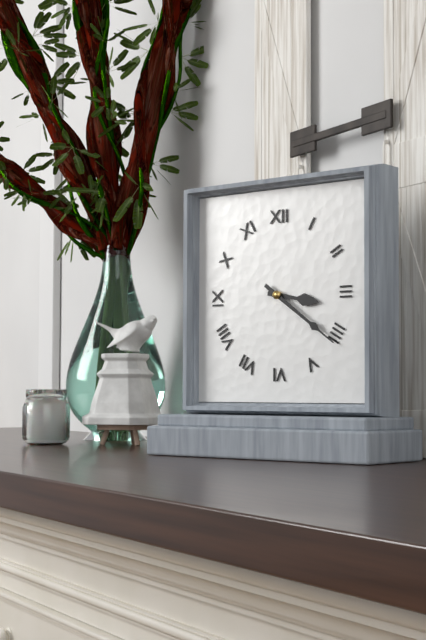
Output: **3:21**
